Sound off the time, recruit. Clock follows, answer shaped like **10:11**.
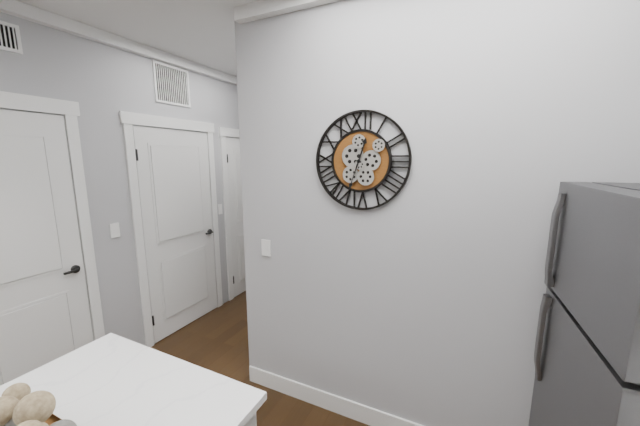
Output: **12:33**
